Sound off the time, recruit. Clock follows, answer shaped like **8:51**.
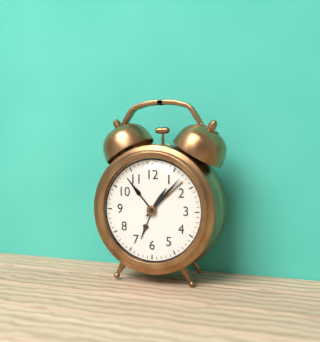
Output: **1:07**
